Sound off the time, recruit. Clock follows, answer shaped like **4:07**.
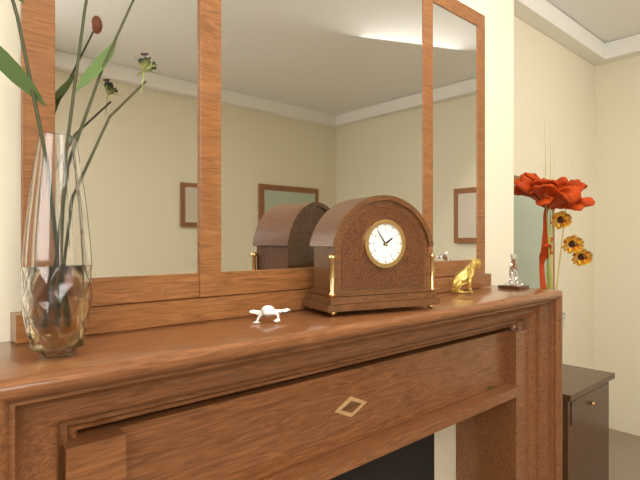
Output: **1:54**
